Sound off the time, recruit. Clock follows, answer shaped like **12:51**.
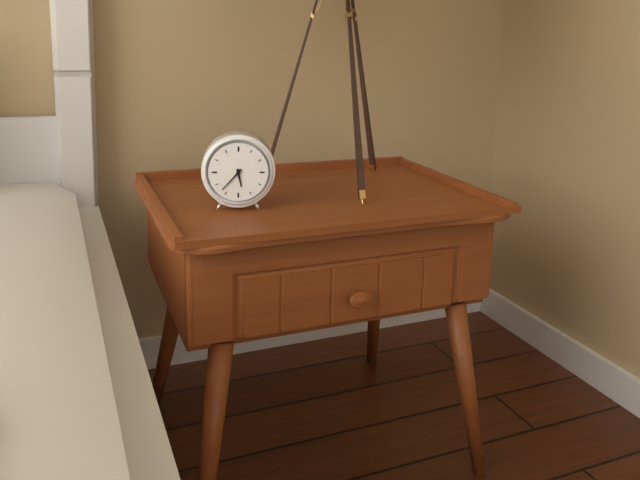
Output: **5:37**
